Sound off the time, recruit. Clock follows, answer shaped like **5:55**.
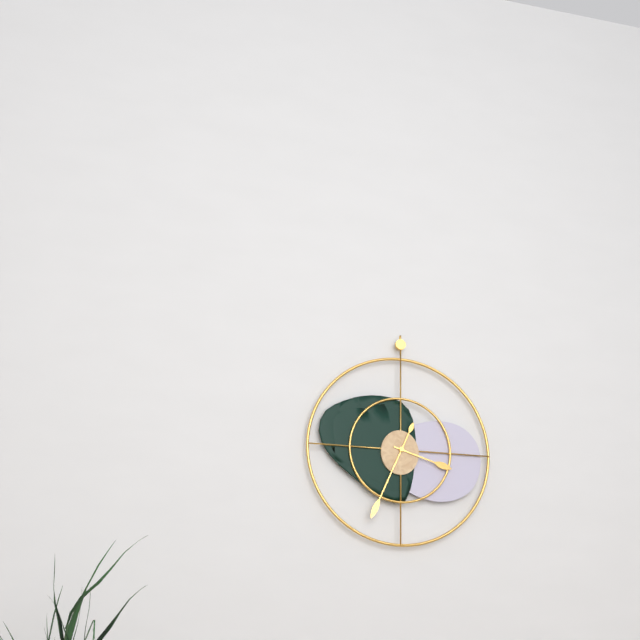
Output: **3:34**
